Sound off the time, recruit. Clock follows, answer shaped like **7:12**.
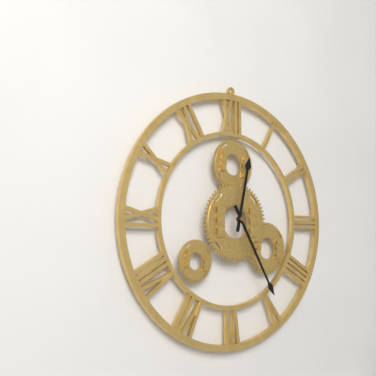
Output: **12:25**
